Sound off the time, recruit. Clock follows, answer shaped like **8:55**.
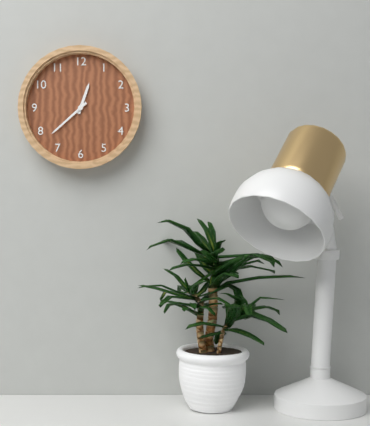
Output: **12:38**
